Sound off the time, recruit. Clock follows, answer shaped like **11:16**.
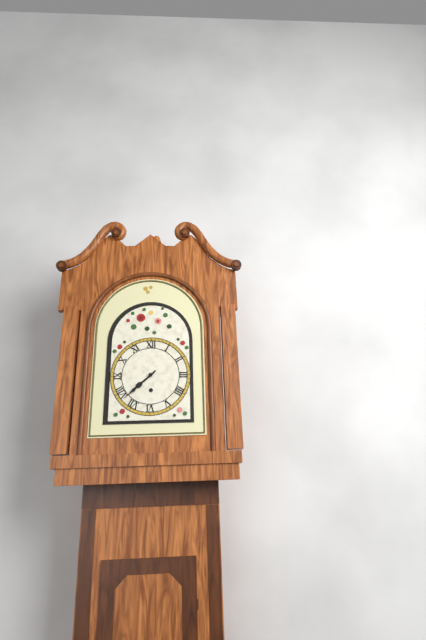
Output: **7:38**
